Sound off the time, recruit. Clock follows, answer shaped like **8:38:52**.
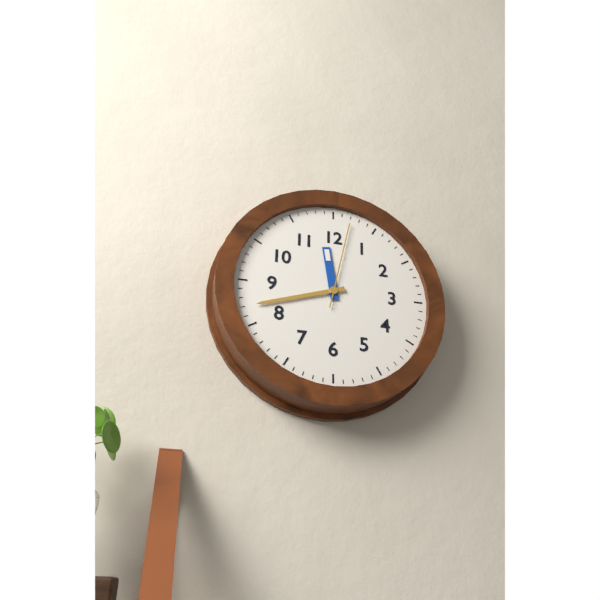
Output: **11:42:02**
